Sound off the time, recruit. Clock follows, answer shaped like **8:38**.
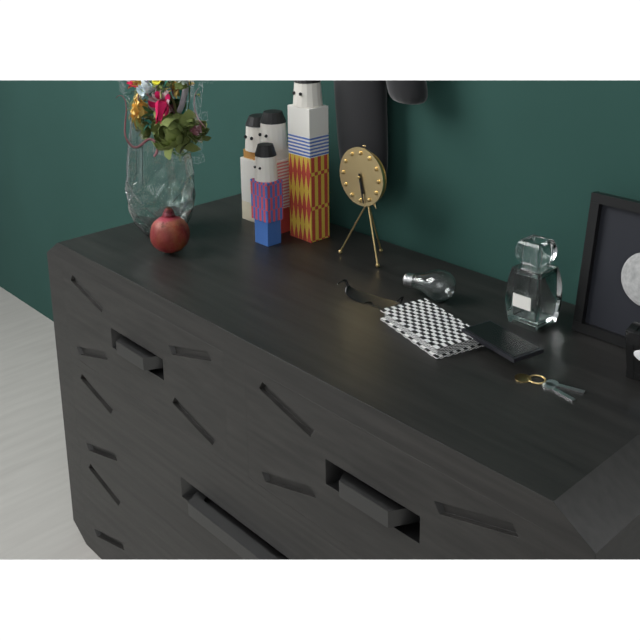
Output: **5:28**
